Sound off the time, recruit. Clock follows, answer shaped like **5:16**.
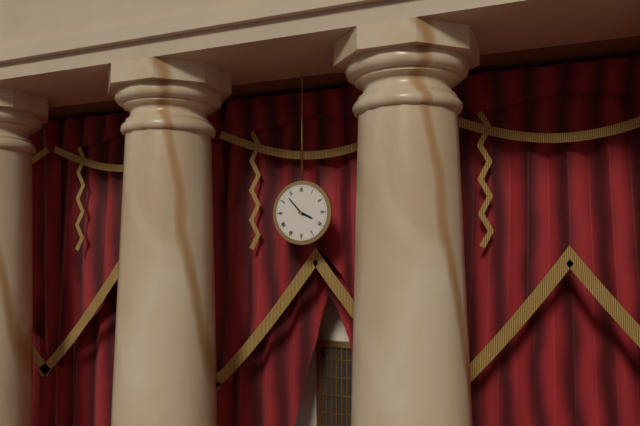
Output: **3:53**
